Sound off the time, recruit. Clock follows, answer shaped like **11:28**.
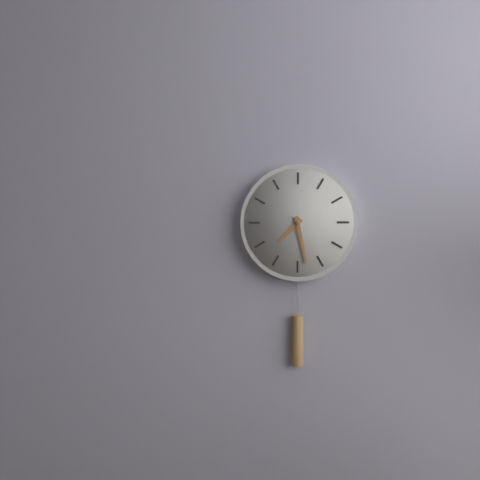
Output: **7:28**
